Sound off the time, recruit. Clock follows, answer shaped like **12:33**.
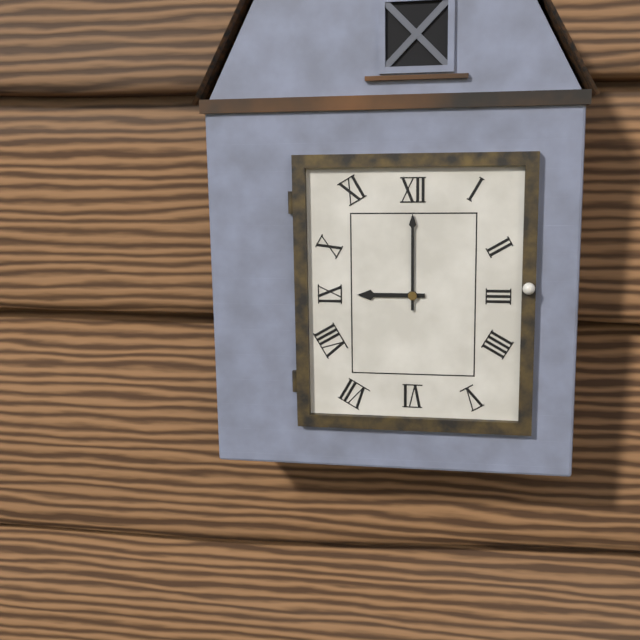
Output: **9:00**
